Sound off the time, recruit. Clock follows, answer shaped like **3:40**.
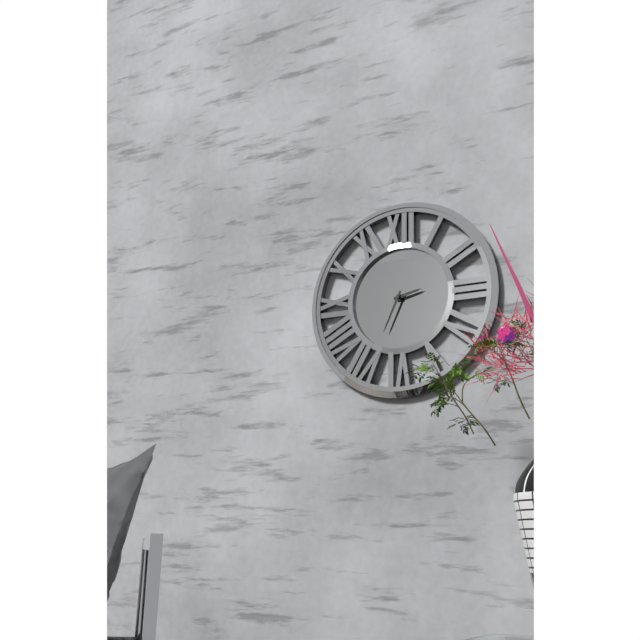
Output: **2:34**
